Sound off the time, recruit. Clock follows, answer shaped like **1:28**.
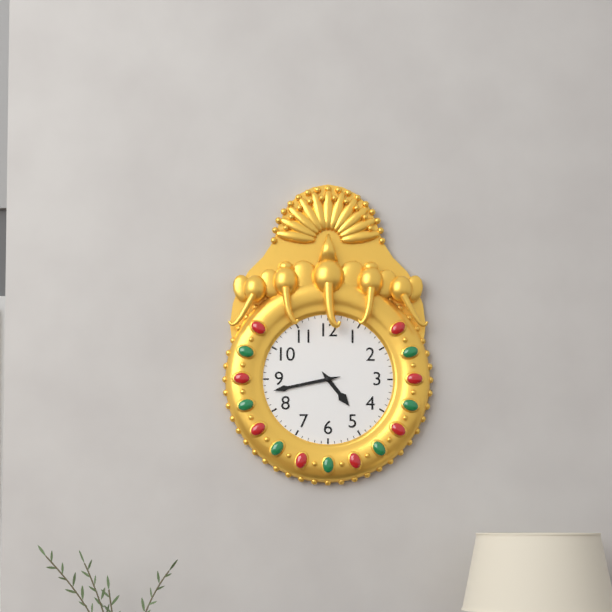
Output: **4:43**
